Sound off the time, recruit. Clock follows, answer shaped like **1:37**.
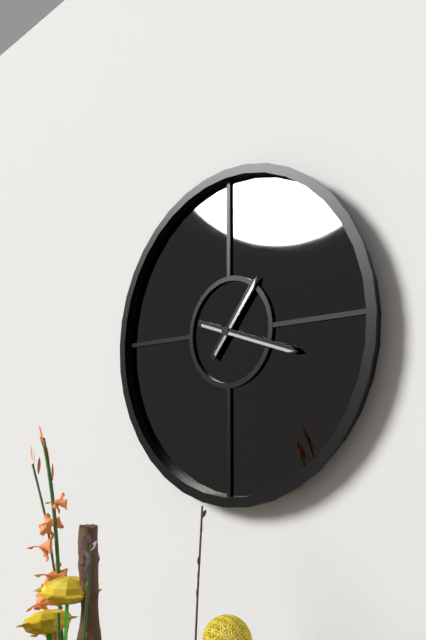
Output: **1:18**
